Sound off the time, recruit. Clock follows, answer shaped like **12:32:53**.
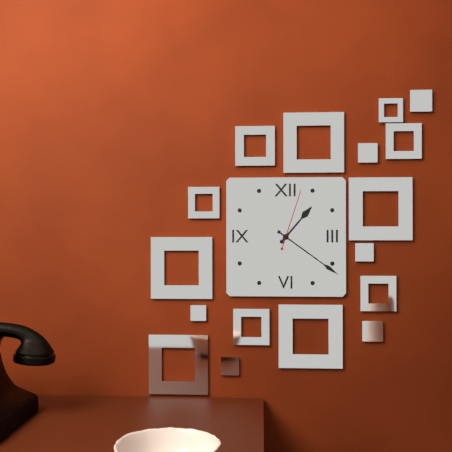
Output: **1:21:03**
